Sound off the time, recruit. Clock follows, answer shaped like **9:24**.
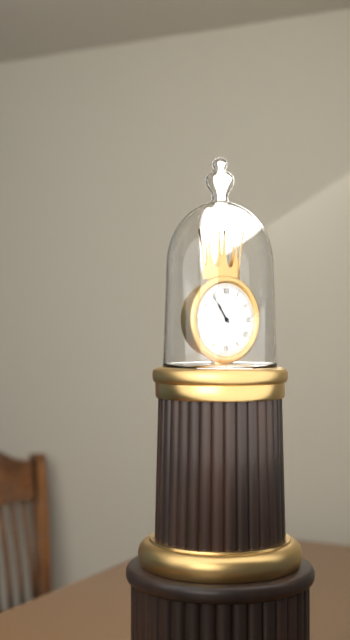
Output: **10:54**
